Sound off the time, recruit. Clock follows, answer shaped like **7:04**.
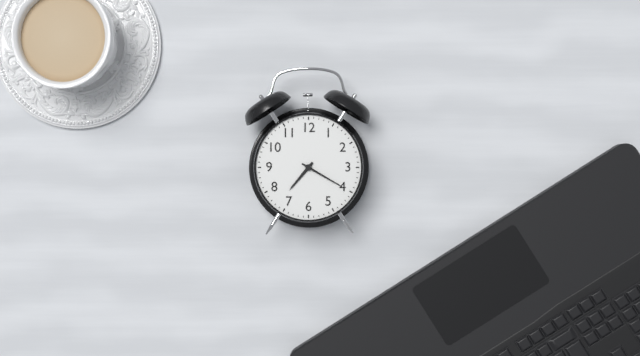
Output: **7:20**
